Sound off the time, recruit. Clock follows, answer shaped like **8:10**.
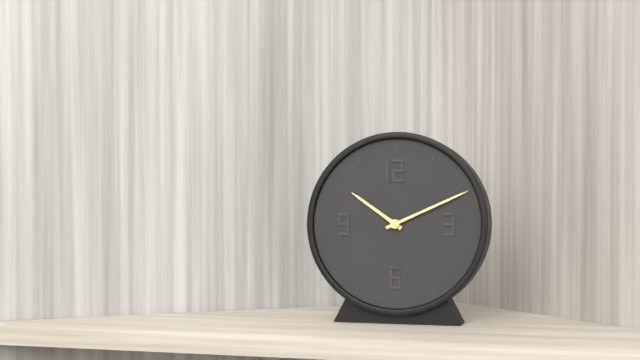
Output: **10:11**
